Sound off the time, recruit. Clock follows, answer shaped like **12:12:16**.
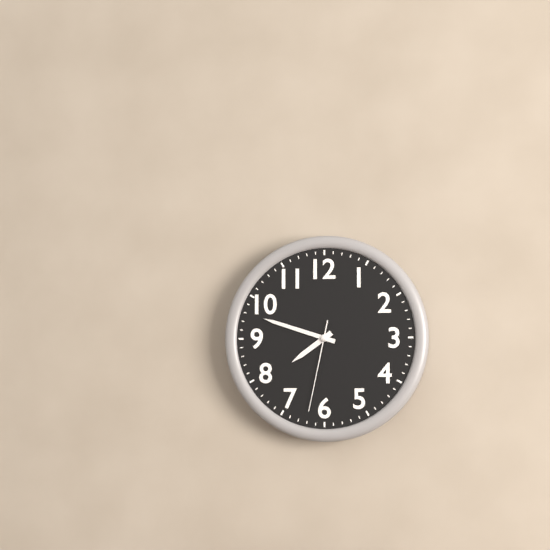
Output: **7:48:32**
